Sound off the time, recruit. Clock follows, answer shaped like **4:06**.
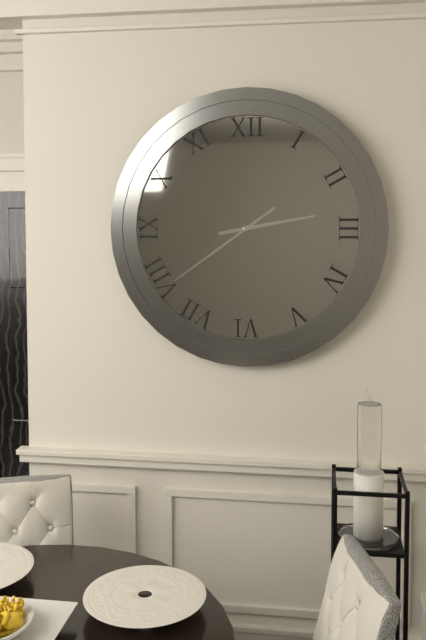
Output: **2:39**
